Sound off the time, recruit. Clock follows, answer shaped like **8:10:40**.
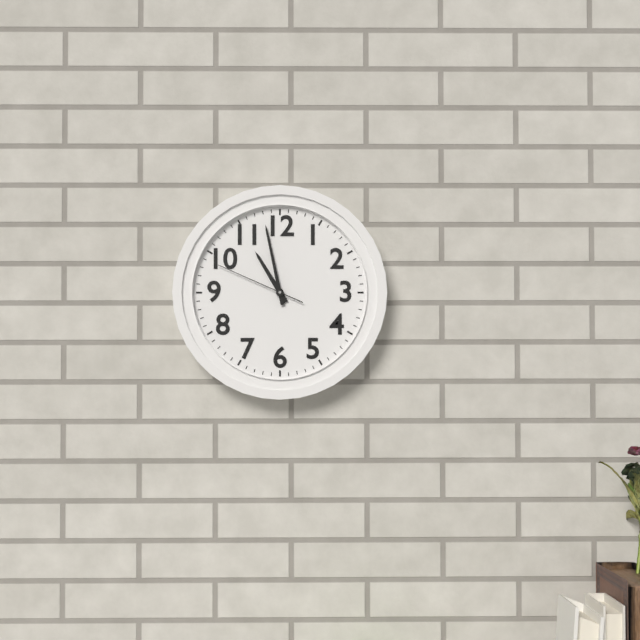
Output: **10:58:49**
